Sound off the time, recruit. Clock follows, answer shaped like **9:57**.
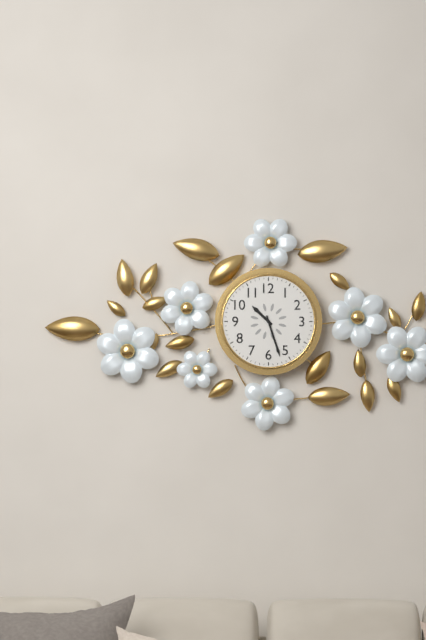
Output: **10:27**
